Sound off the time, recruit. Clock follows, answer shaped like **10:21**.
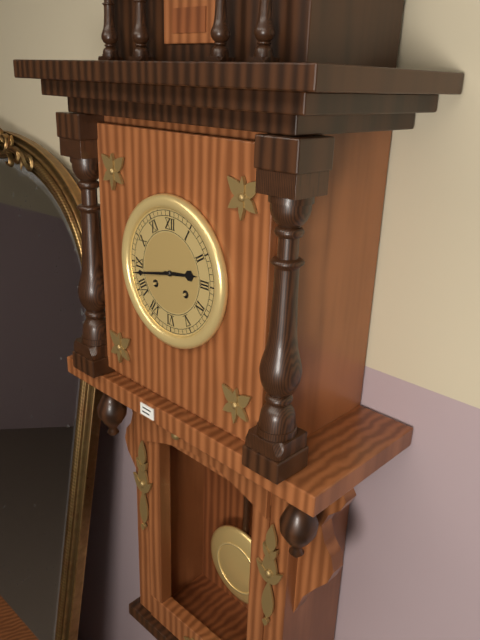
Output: **2:43**
